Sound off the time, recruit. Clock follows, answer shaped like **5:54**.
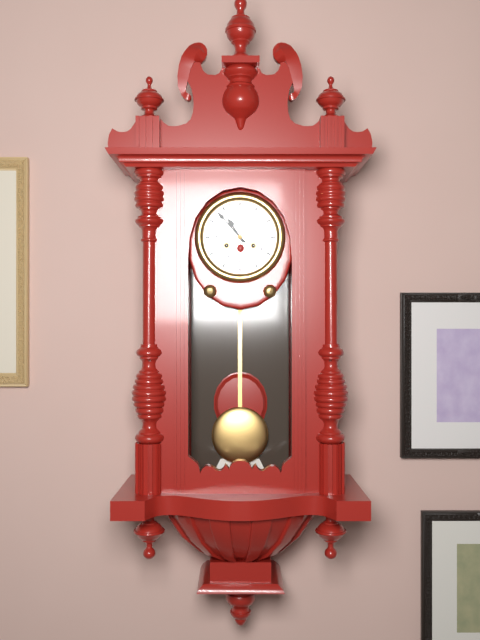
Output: **10:53**
